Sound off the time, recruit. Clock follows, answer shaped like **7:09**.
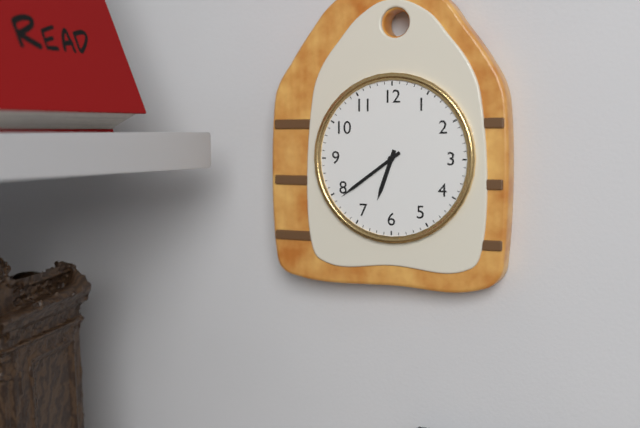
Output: **6:39**
